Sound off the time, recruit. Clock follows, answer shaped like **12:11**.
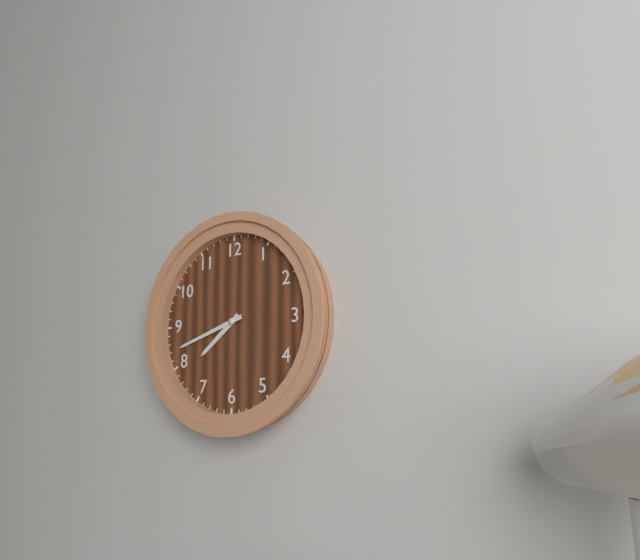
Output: **7:42**
